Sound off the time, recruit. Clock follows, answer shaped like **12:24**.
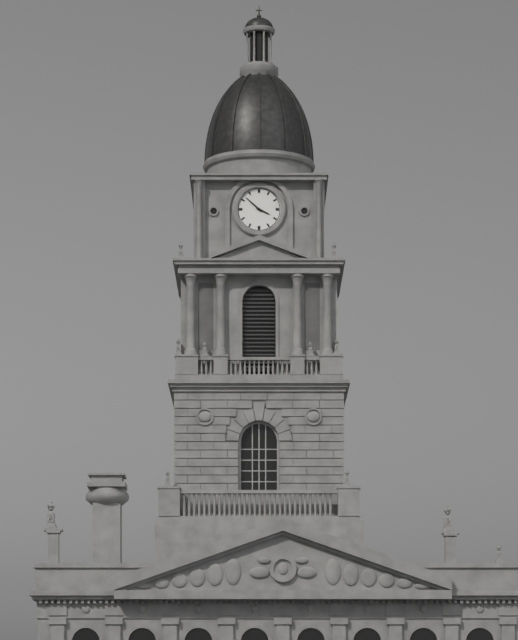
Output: **3:52**
